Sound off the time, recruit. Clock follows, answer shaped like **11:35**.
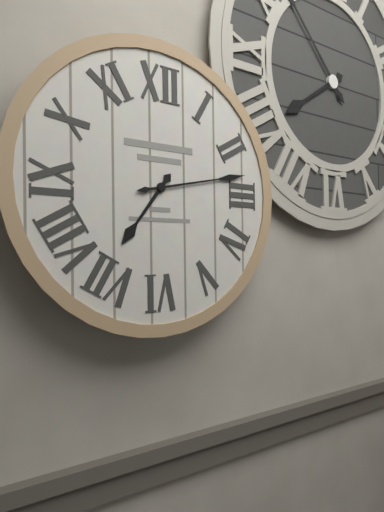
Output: **7:13**
